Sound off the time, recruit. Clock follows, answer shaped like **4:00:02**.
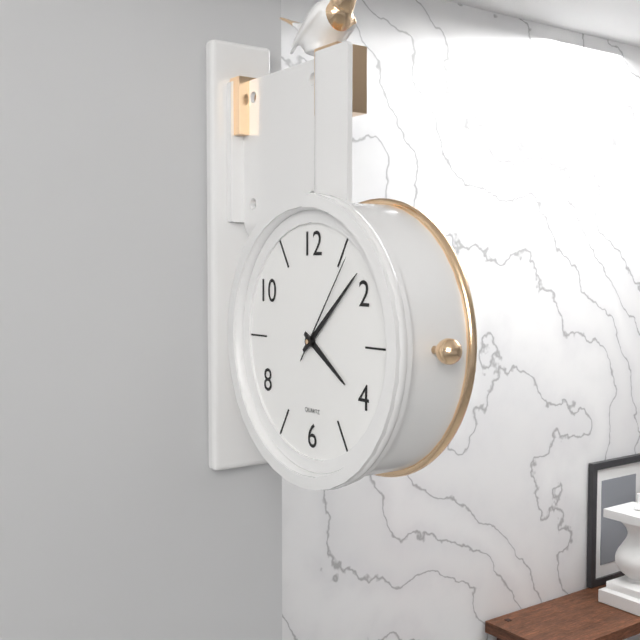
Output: **4:08:06**
